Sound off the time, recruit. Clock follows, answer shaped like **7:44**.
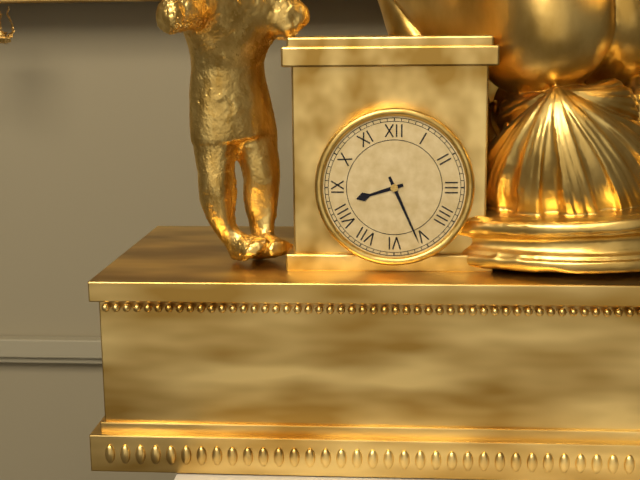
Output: **8:26**
